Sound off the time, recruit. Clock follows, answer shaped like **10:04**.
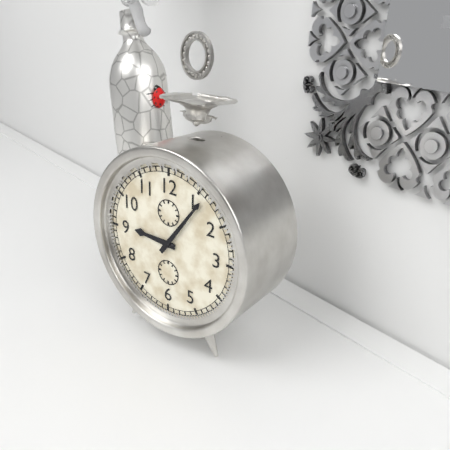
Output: **9:06**
